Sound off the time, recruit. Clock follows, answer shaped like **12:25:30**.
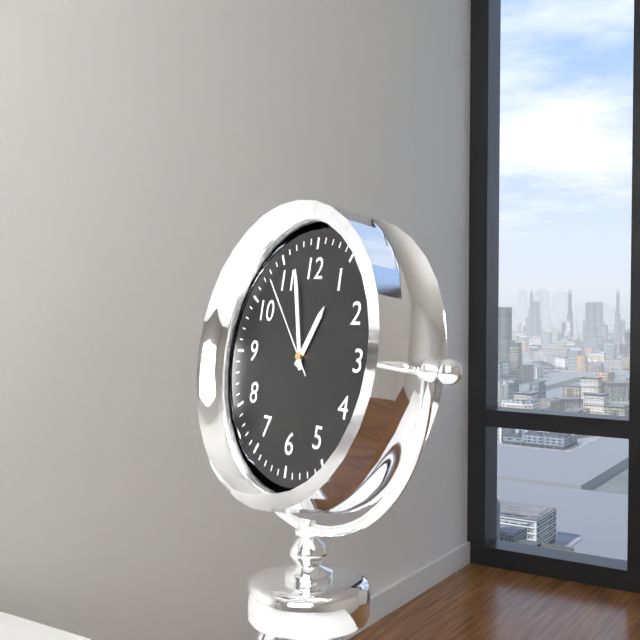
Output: **12:57:53**
